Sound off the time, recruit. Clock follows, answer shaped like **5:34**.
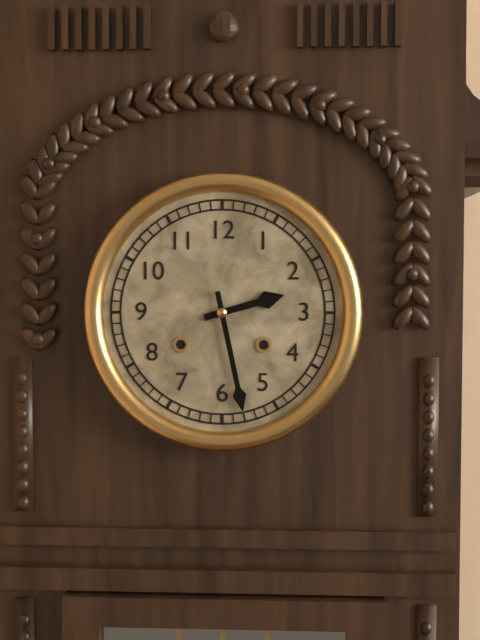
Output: **2:28**
